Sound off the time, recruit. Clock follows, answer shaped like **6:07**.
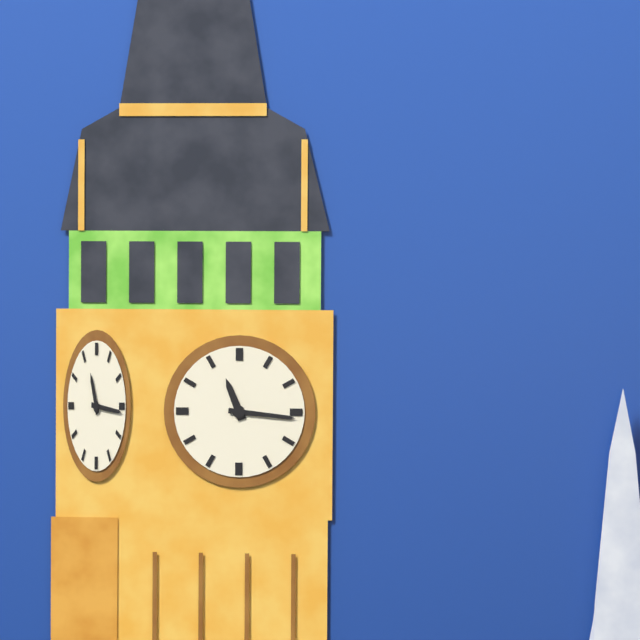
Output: **11:16**
